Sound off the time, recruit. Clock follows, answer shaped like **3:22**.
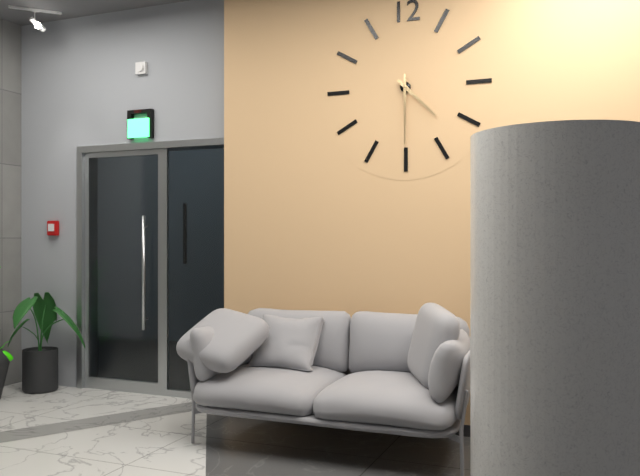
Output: **4:30**
